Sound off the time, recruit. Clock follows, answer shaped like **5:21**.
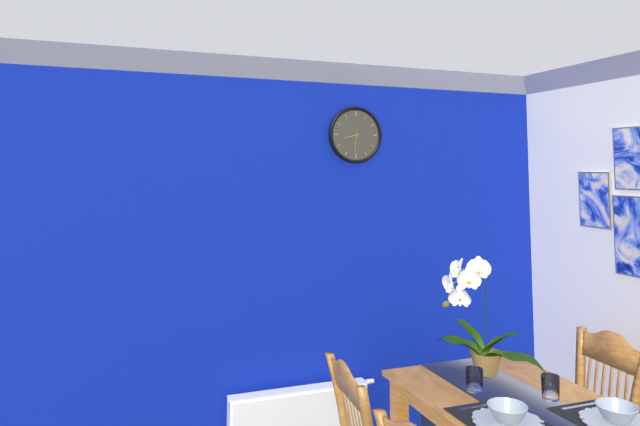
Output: **8:31**
